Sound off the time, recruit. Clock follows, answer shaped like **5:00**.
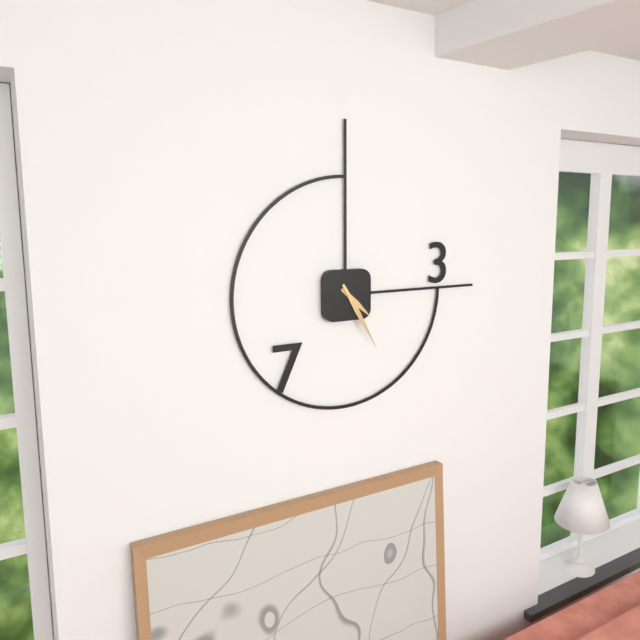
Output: **4:25**
